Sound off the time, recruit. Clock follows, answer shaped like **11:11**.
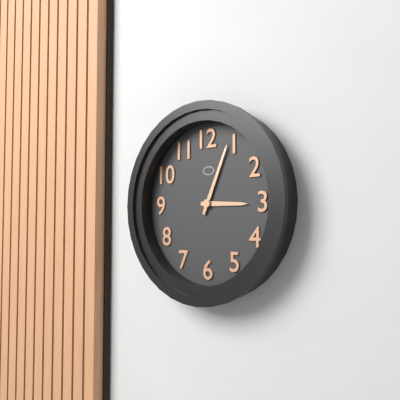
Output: **3:04**
